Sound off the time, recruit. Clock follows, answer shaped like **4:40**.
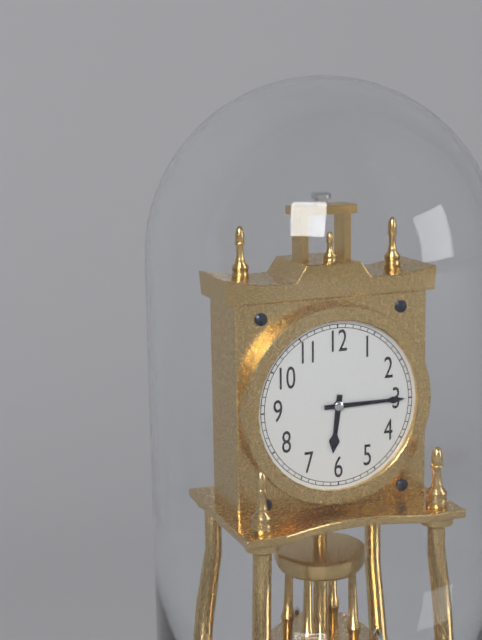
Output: **6:15**
